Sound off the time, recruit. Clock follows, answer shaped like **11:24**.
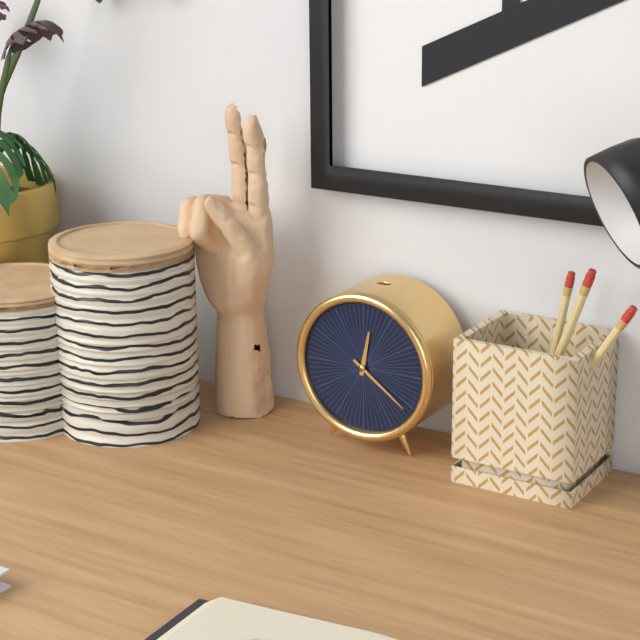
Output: **12:21**
